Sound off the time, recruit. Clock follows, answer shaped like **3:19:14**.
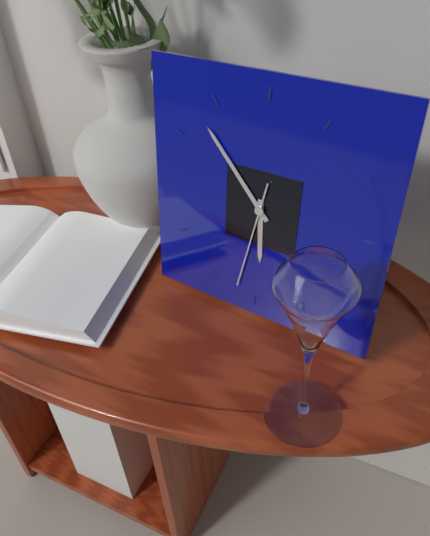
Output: **5:53:32**
